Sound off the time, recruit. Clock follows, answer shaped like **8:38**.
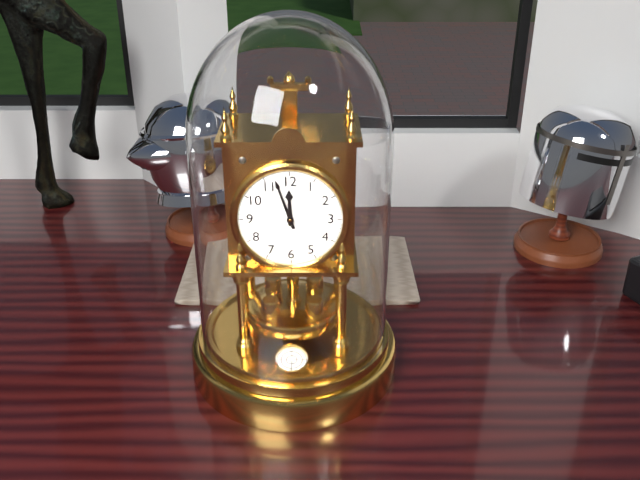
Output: **11:57**
